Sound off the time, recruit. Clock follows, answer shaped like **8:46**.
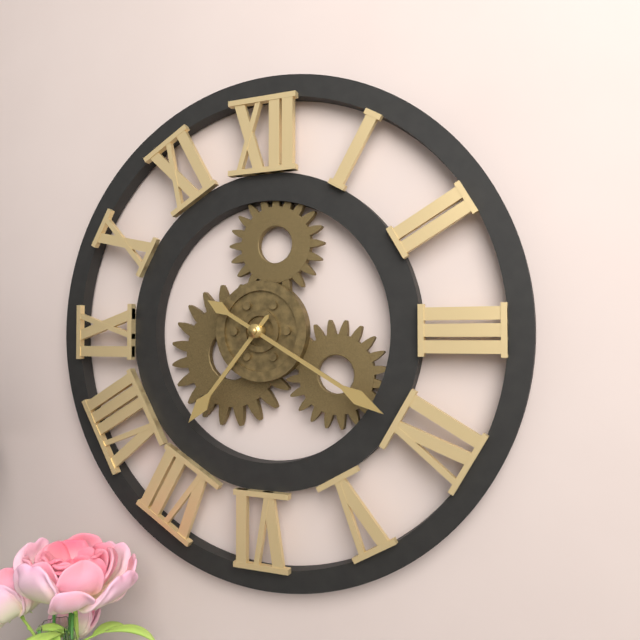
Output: **7:20**
